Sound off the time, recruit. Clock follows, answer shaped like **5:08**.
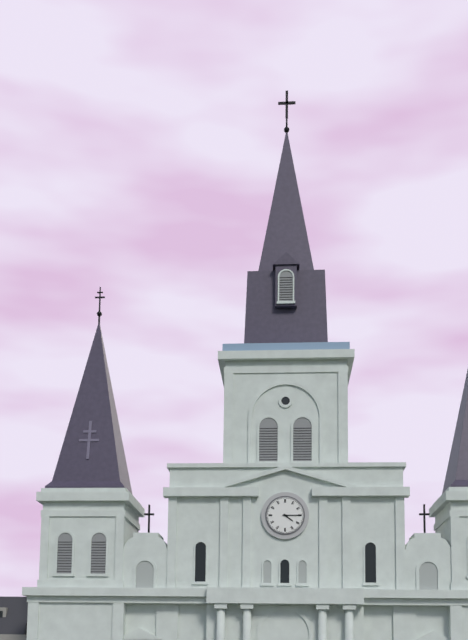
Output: **4:15**
